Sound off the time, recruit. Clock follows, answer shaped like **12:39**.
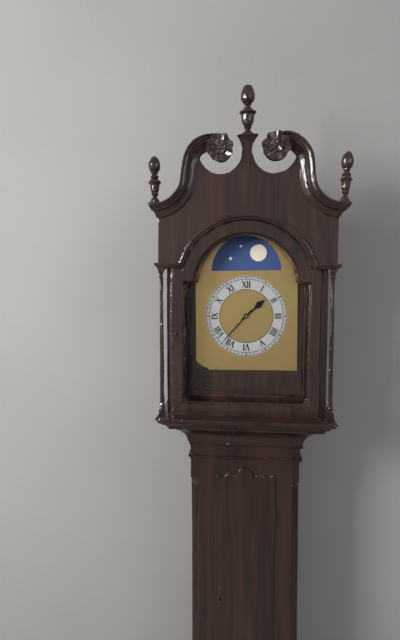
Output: **1:37**
